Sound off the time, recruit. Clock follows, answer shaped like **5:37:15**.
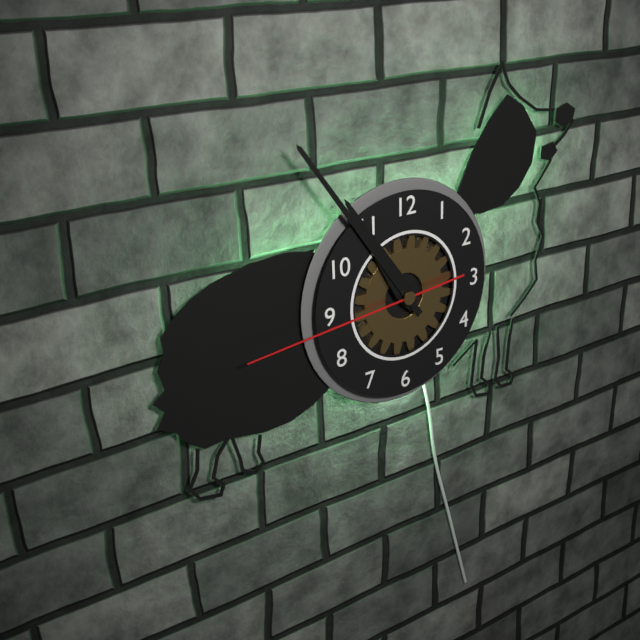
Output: **10:54:44**
